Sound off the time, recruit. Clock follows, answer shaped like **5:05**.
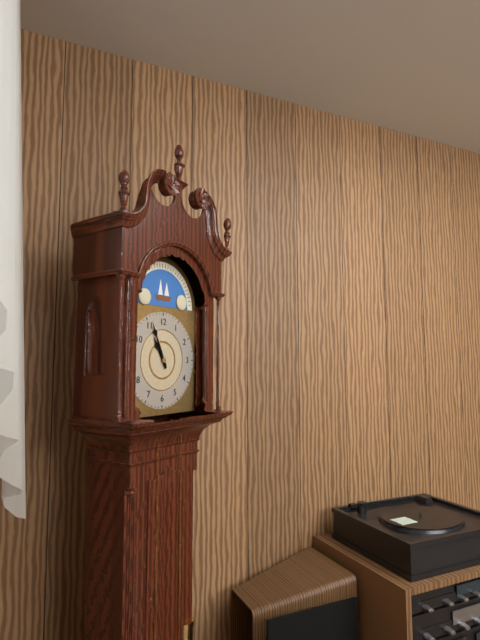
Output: **10:56**
